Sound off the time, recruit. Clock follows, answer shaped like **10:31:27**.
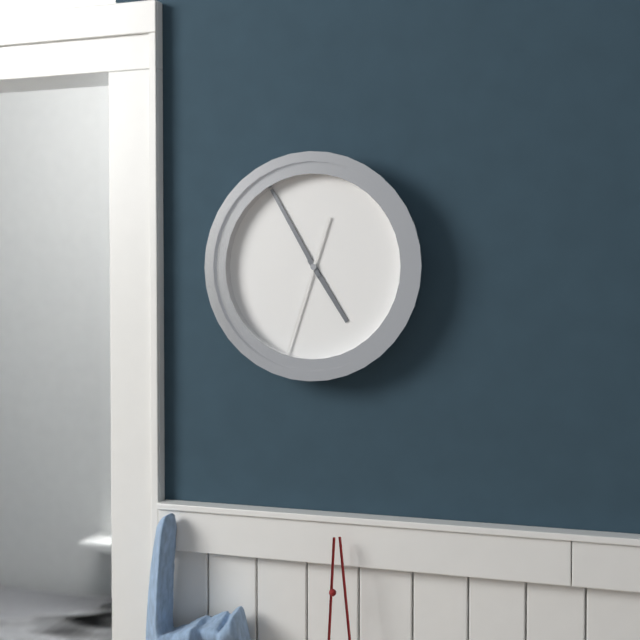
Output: **4:55:33**
